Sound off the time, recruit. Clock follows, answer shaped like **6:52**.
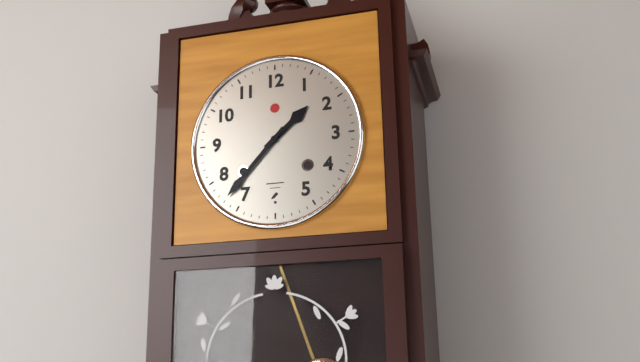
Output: **1:37**
